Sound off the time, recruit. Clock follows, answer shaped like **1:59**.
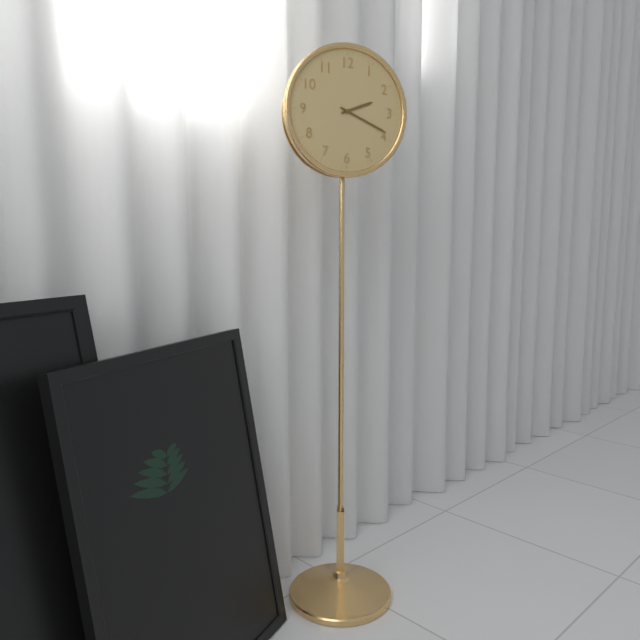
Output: **2:19**
